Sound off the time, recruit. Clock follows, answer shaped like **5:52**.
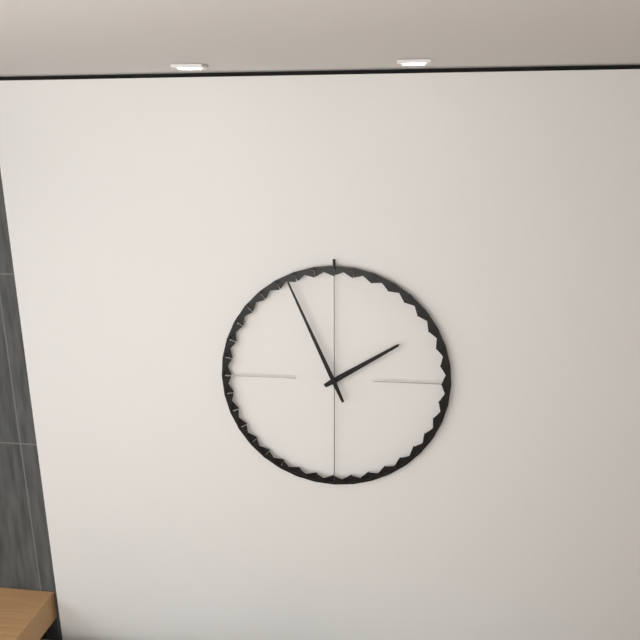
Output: **1:56**
